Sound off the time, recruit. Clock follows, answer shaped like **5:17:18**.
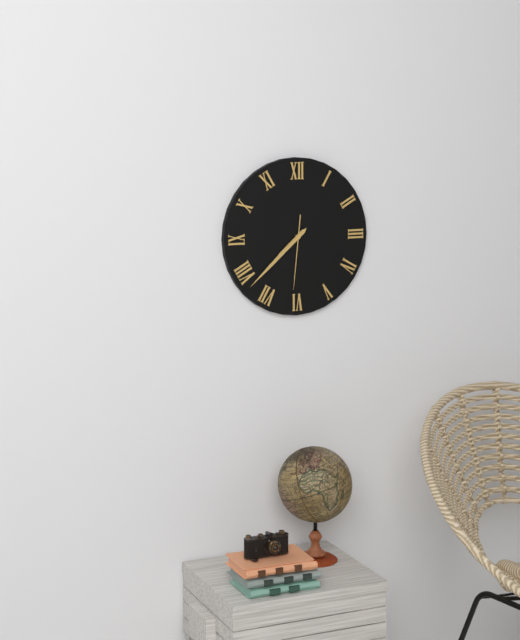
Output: **7:38:31**
